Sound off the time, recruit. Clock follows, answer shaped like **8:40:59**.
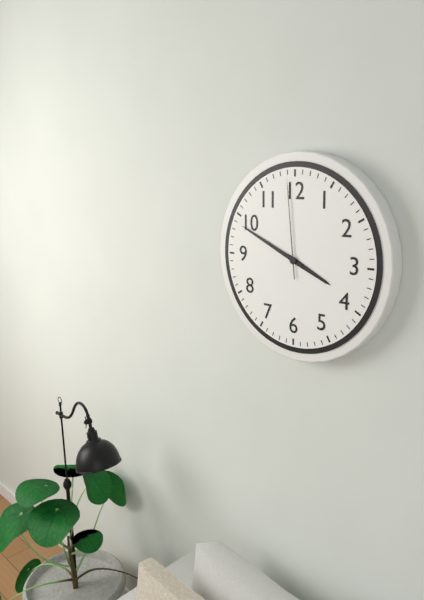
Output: **3:49:59**
